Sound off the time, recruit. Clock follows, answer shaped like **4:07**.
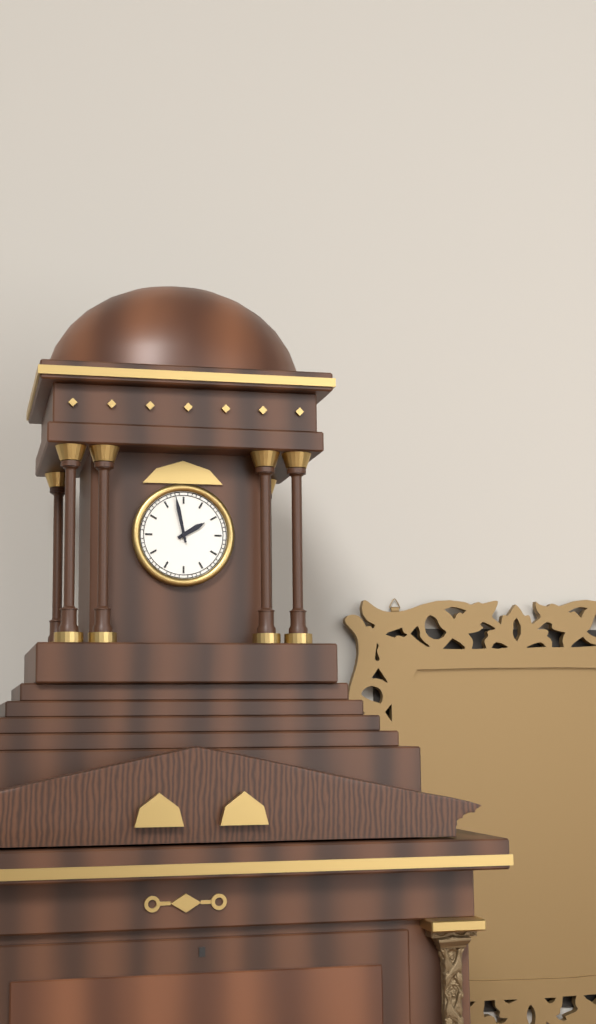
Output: **1:58**
